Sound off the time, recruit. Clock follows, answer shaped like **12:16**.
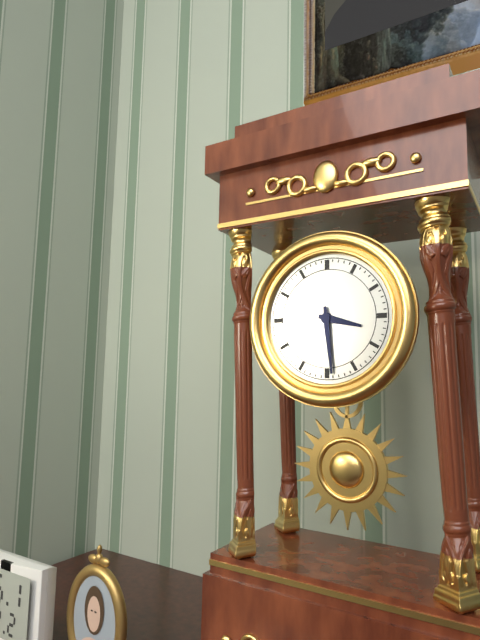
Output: **3:29**
